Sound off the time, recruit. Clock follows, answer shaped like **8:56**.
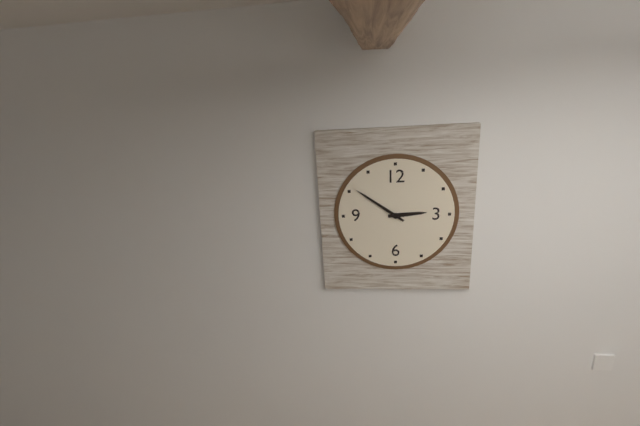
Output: **2:51**
